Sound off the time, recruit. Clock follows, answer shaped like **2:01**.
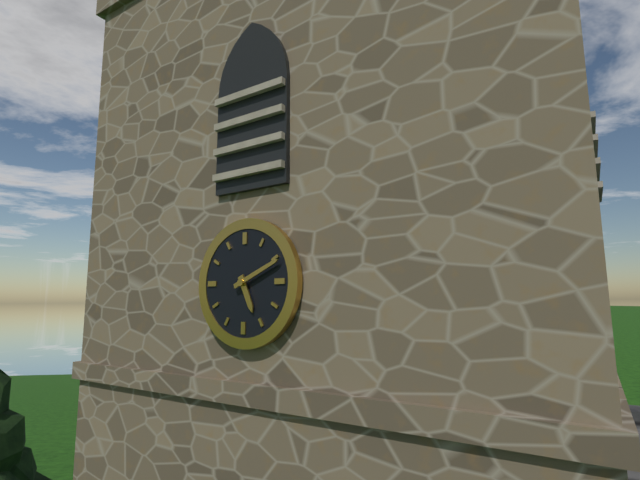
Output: **5:11**
